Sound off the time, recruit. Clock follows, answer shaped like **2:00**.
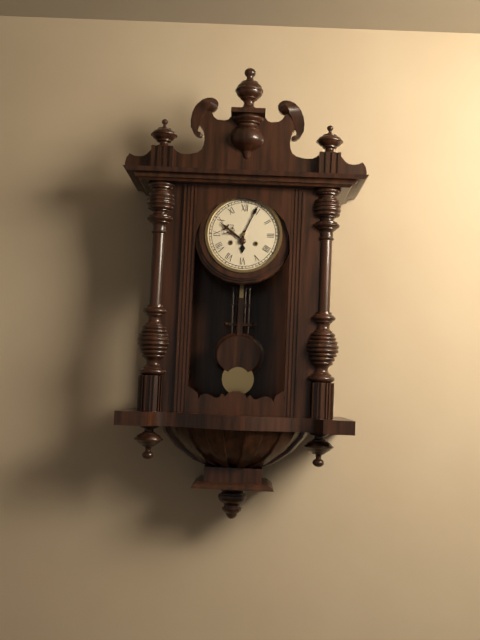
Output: **6:04**
